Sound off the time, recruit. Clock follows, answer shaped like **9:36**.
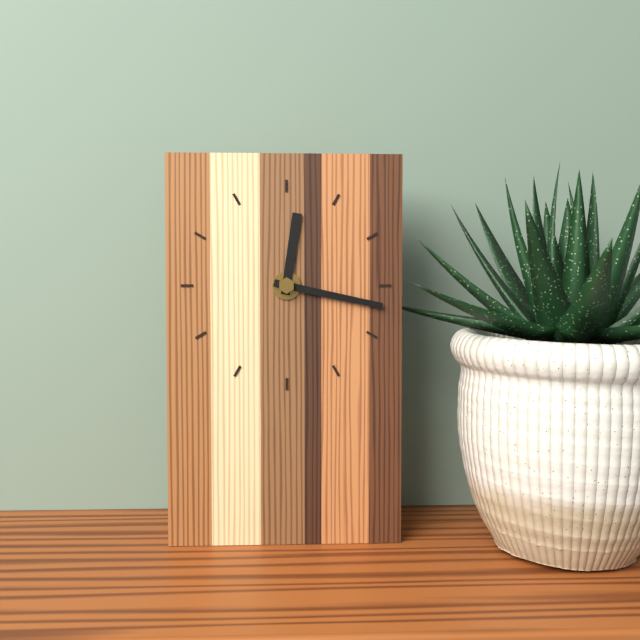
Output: **12:17**
